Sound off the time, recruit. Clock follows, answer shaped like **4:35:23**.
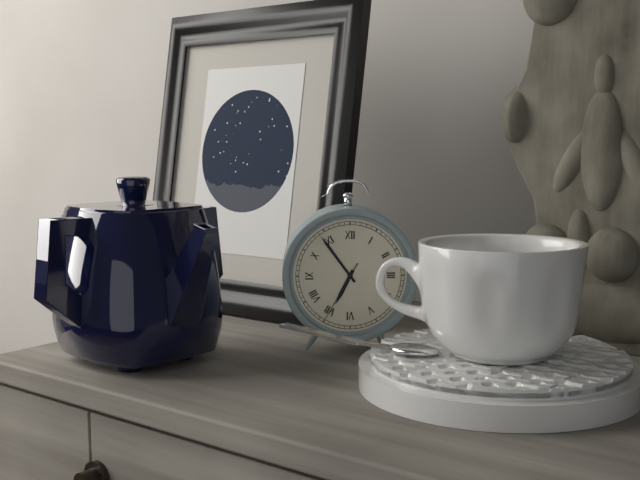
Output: **6:54:35**
